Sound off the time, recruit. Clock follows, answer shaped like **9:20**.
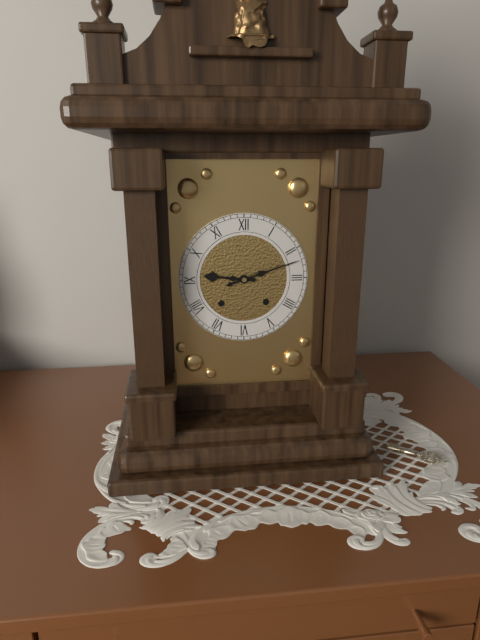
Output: **9:12**
